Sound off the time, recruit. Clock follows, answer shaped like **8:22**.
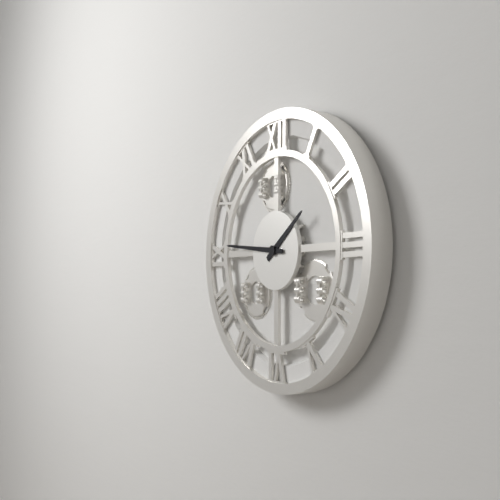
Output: **1:46**
